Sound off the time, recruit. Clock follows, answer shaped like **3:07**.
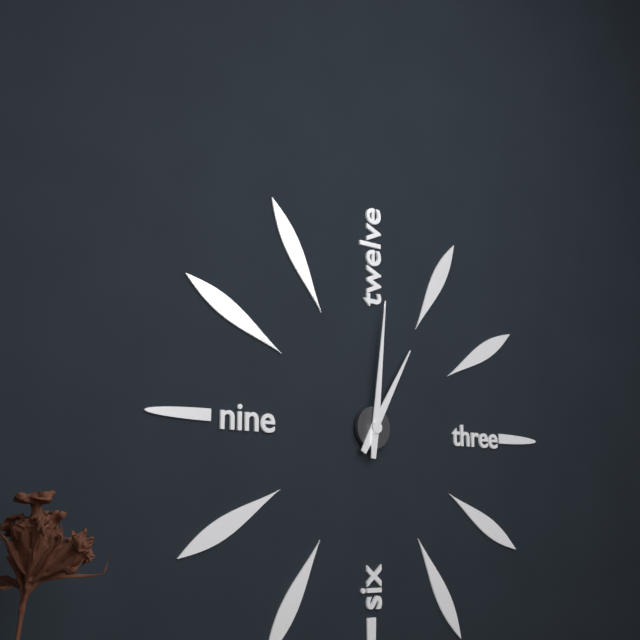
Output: **1:01**
